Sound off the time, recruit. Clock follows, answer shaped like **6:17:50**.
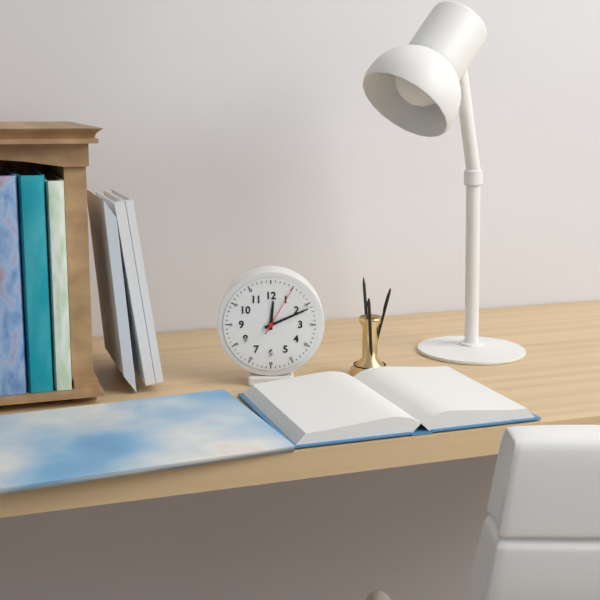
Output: **12:11:05**
